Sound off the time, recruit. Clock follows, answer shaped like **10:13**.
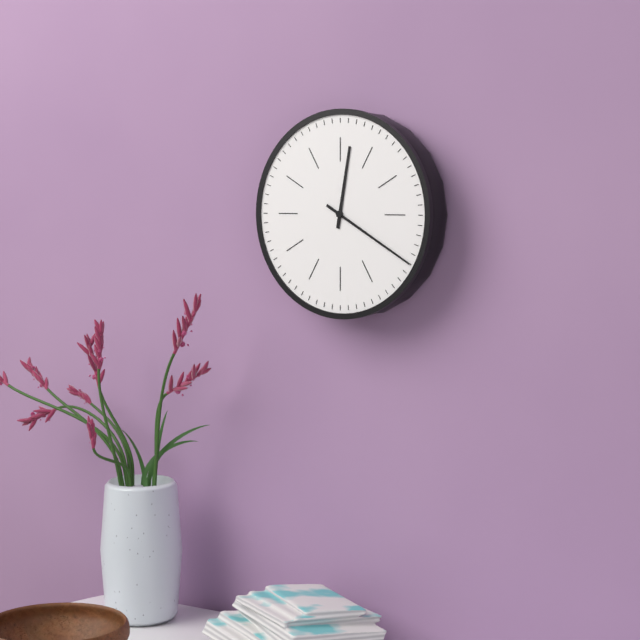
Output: **12:20**
